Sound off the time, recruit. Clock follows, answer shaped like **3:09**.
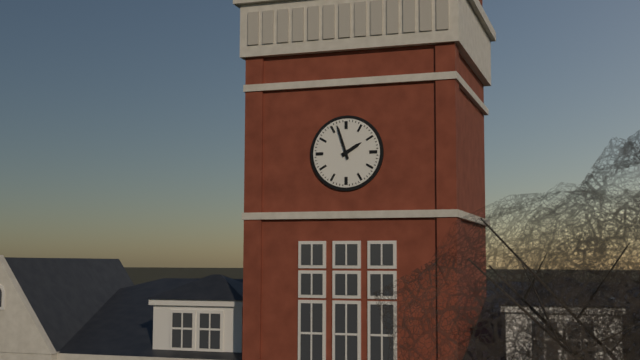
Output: **1:57**
